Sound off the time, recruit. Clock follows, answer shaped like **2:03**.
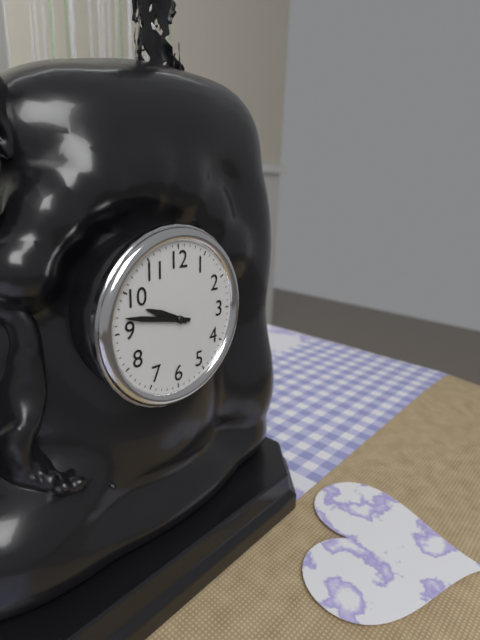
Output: **9:47**
